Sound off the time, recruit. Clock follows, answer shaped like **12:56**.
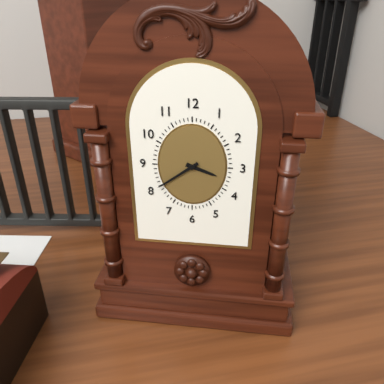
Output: **3:39**
